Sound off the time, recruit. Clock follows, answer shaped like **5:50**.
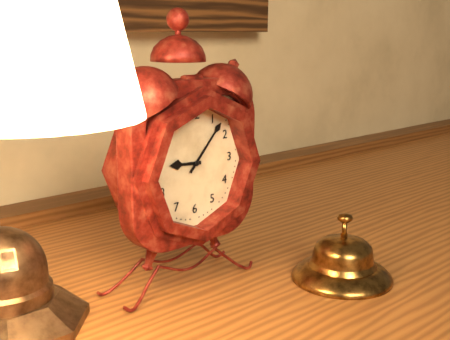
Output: **9:07**
